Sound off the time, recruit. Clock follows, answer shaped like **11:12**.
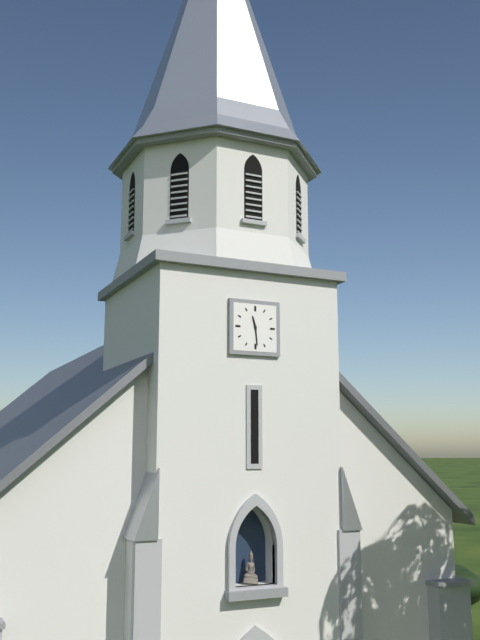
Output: **11:29**
